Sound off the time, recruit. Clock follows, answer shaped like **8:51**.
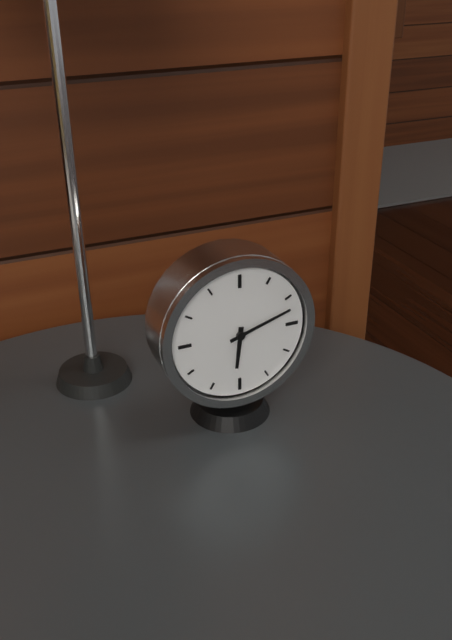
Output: **6:12**
